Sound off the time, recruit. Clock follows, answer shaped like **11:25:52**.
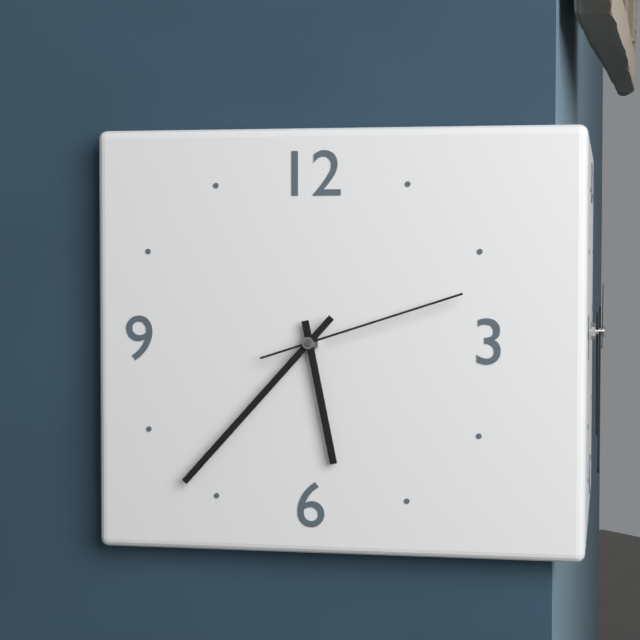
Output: **5:37:12**
